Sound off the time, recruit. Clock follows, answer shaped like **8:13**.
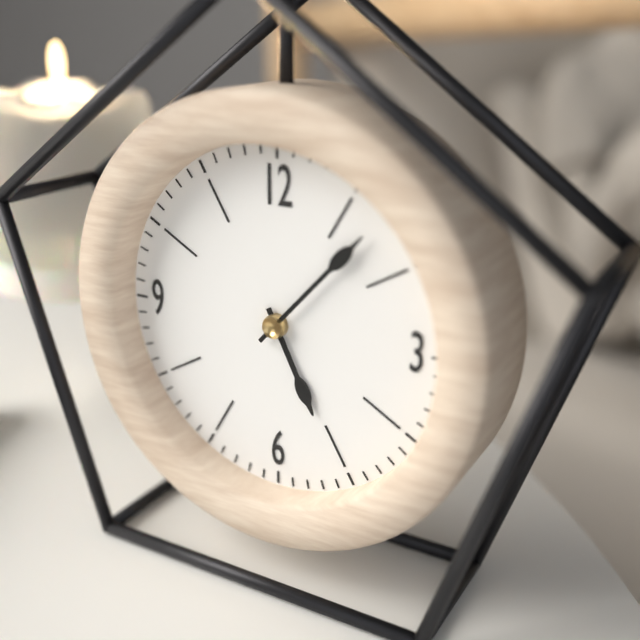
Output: **5:07**
